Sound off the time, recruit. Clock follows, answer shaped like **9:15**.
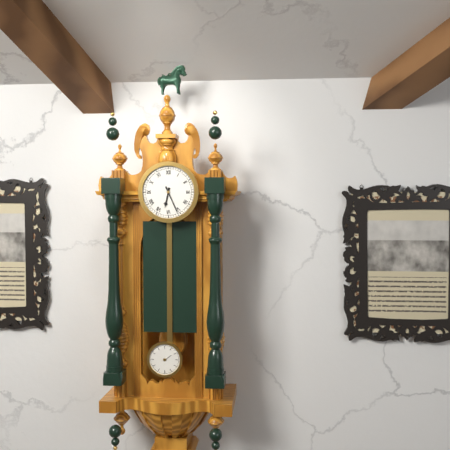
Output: **6:26**
